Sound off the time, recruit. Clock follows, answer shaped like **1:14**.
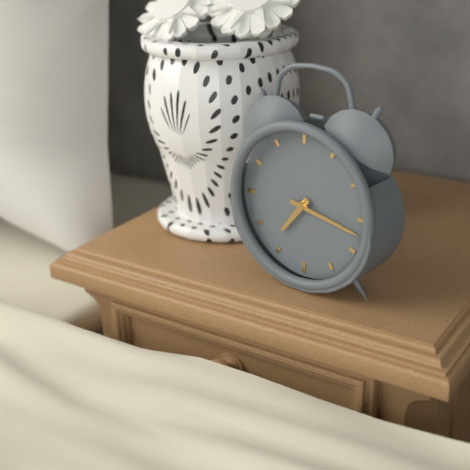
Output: **7:17**
